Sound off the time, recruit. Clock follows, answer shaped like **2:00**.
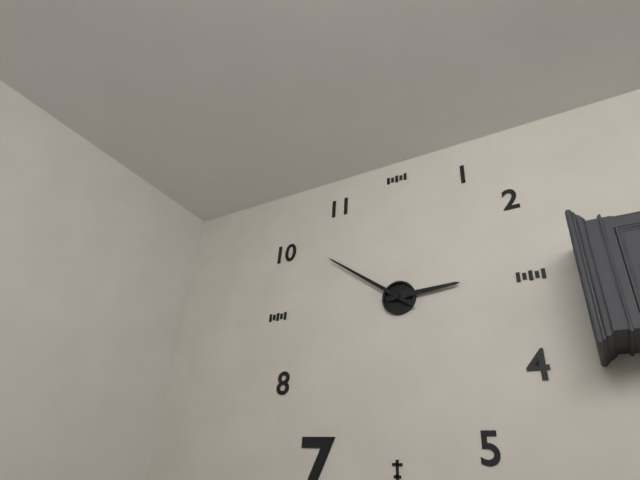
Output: **2:51**
